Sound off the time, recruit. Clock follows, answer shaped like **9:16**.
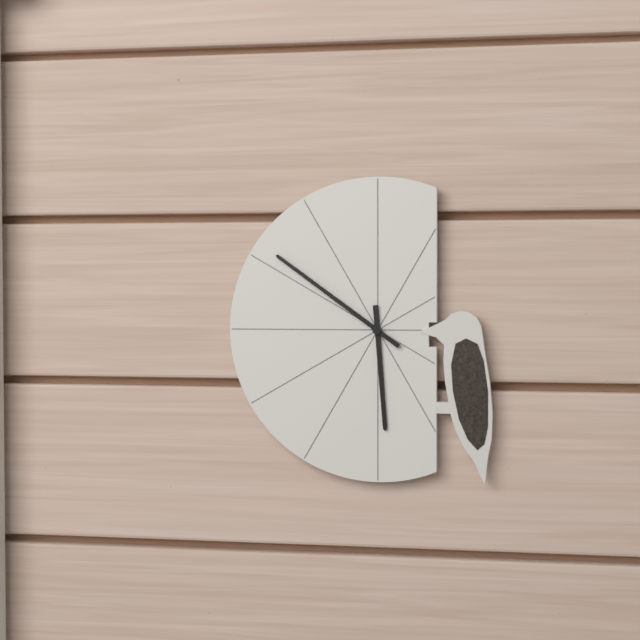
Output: **5:51**
